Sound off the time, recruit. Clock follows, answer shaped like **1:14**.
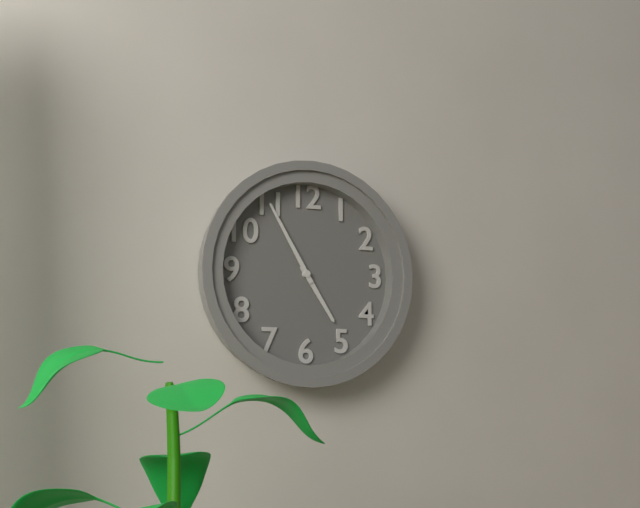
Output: **4:55**
